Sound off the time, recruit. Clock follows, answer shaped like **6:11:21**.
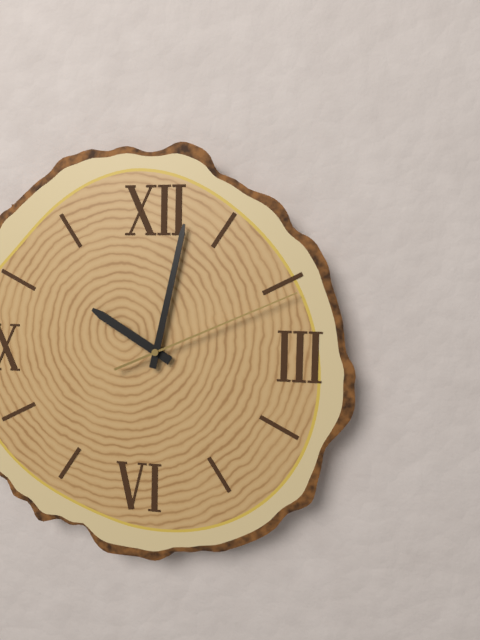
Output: **10:02:11**
